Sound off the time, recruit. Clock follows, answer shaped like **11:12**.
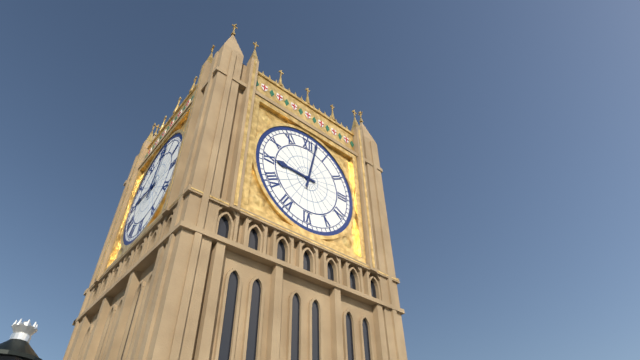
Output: **9:02**
